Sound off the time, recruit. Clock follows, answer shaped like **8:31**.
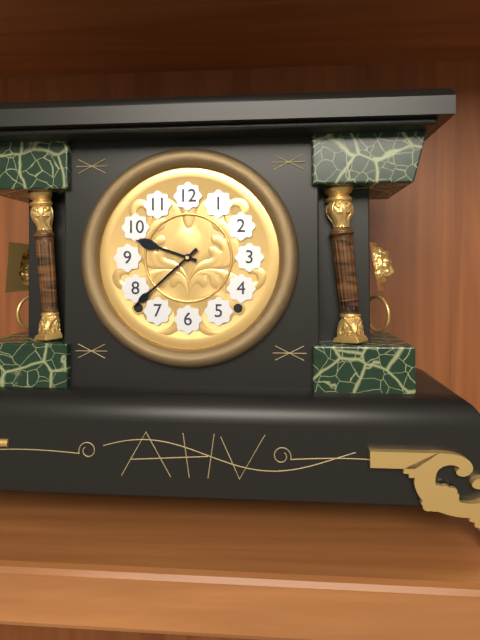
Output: **9:38**
